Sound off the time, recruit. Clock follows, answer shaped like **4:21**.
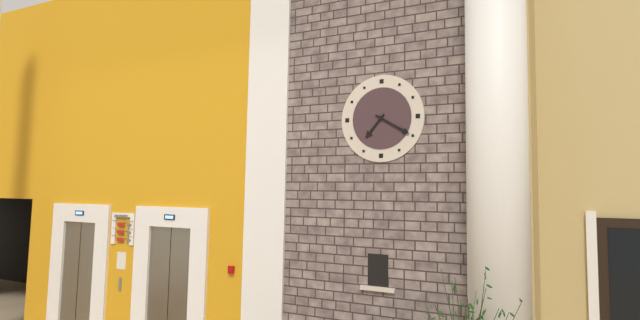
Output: **7:20**
